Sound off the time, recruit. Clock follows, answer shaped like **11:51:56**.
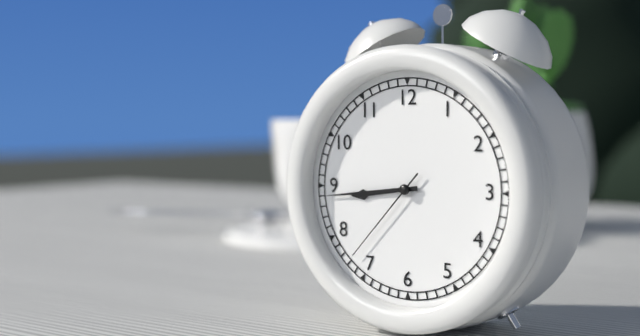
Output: **8:44:37**
